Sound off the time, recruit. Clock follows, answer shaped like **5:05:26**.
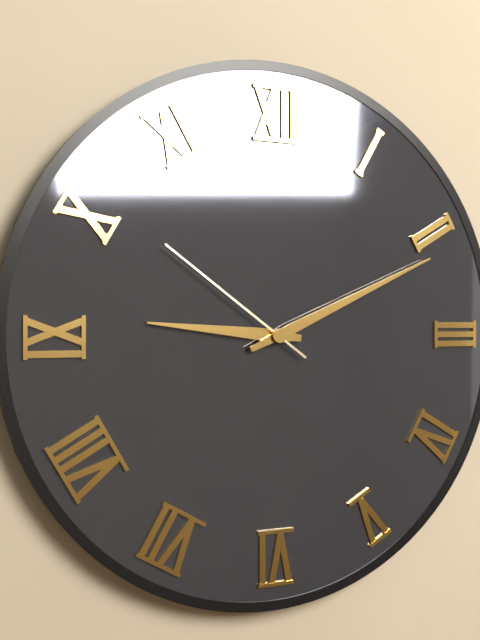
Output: **9:11:51**
